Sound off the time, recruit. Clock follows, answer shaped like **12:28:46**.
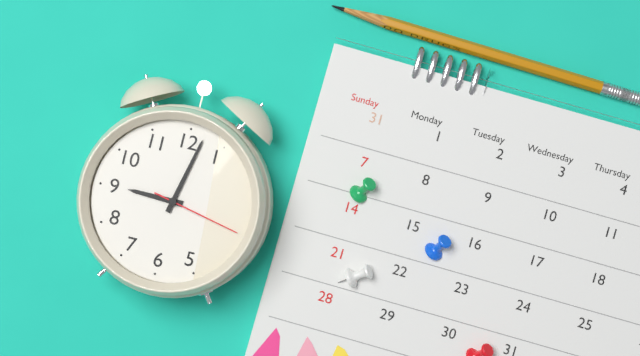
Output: **9:02:17**
